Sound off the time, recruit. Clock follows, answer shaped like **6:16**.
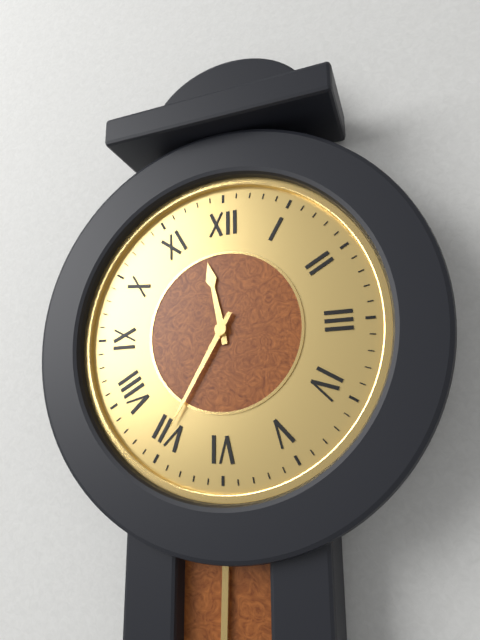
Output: **11:35**
